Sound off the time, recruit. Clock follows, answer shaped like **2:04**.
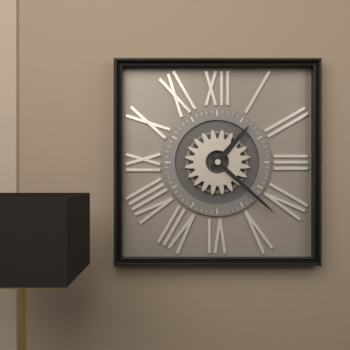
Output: **1:22**
